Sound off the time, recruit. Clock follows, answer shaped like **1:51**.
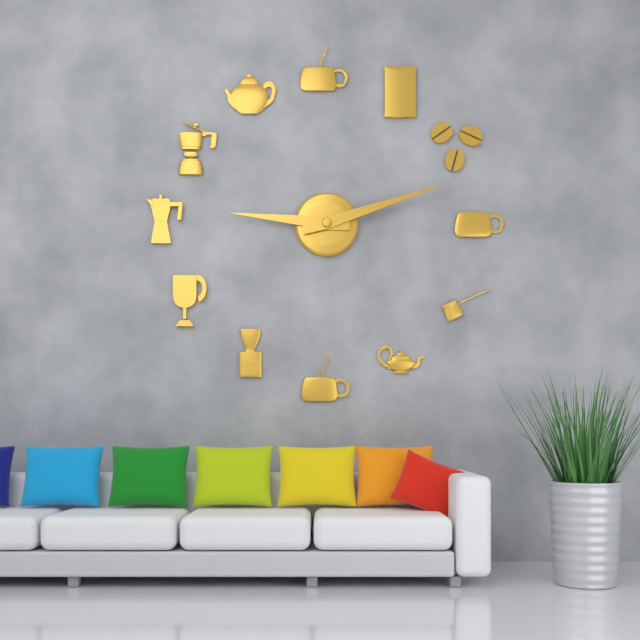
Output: **9:12**
